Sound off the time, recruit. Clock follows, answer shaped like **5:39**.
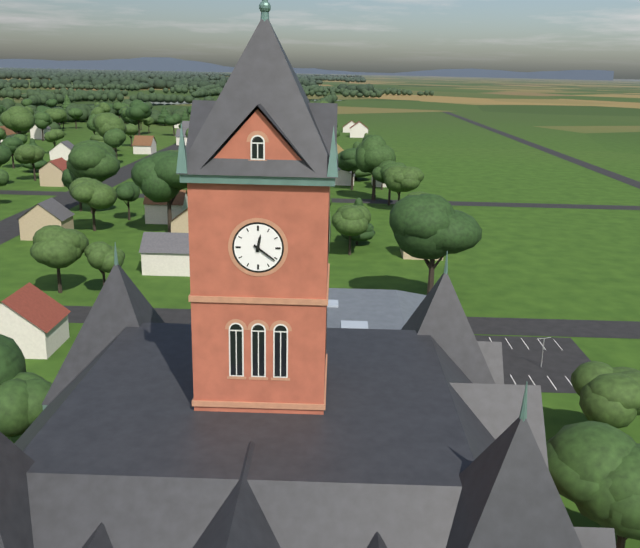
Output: **12:21**
